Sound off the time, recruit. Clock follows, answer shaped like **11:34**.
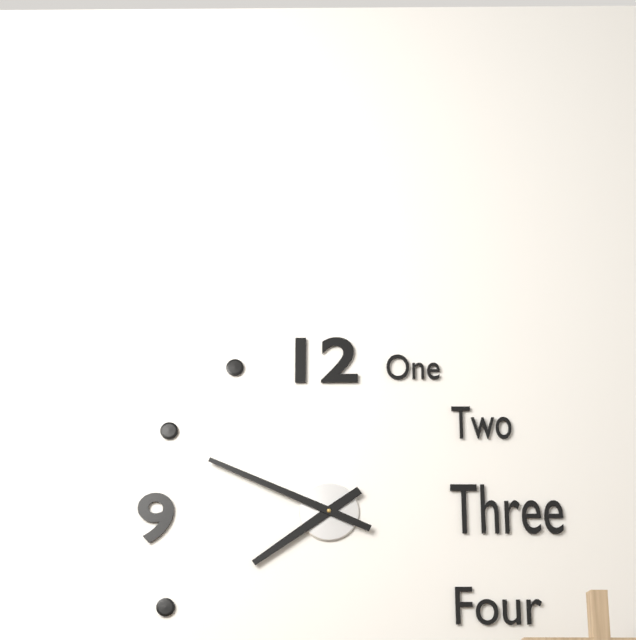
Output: **7:49**
